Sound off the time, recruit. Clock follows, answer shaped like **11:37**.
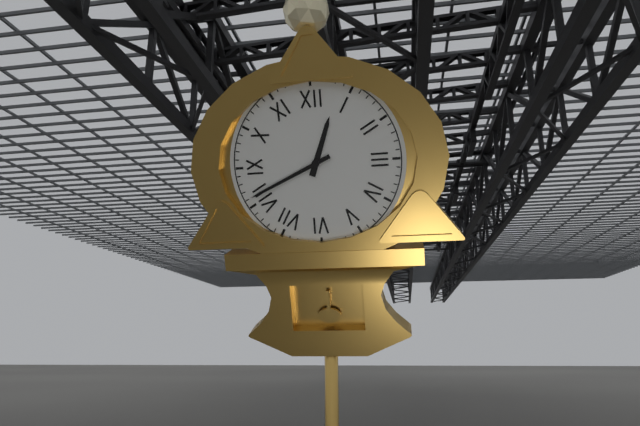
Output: **12:41**
